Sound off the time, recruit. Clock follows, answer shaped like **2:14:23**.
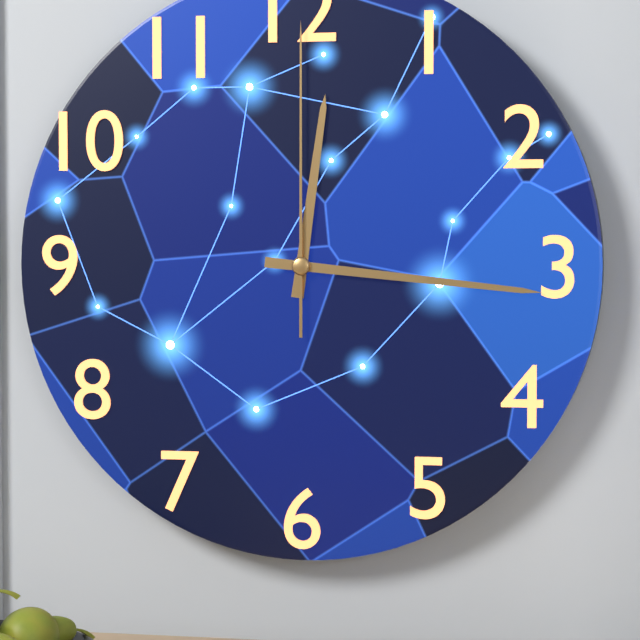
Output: **12:16:00**
